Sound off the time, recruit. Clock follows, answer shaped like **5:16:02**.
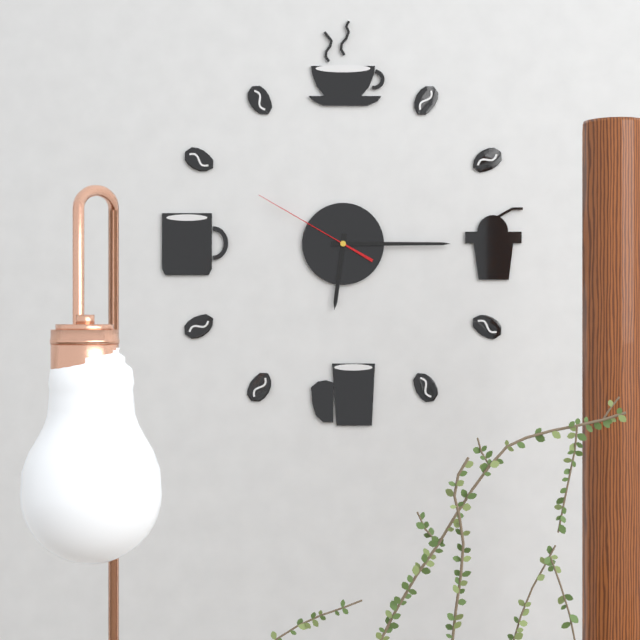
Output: **6:15:50**
